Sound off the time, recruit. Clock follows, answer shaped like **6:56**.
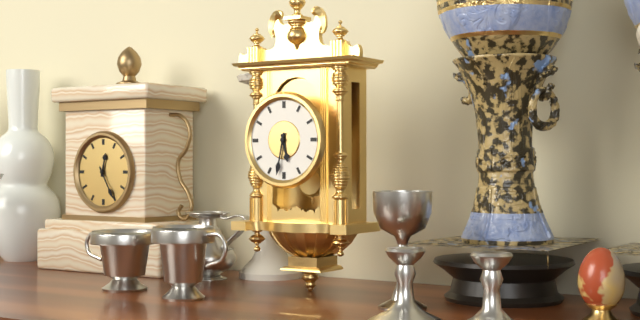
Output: **5:32**
